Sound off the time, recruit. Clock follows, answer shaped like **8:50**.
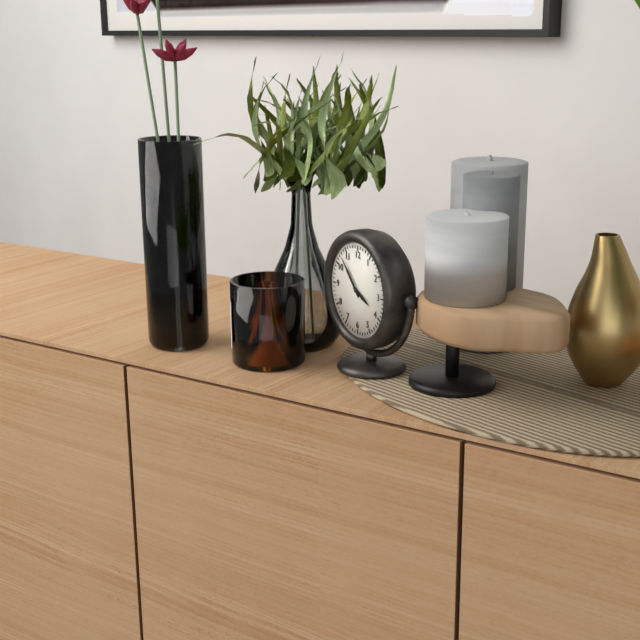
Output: **3:53**
